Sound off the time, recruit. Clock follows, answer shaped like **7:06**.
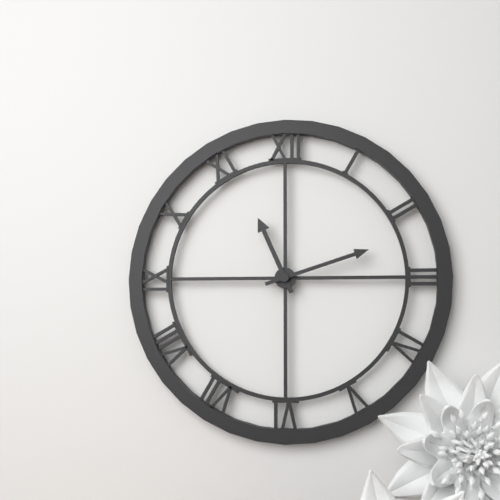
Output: **11:12**
